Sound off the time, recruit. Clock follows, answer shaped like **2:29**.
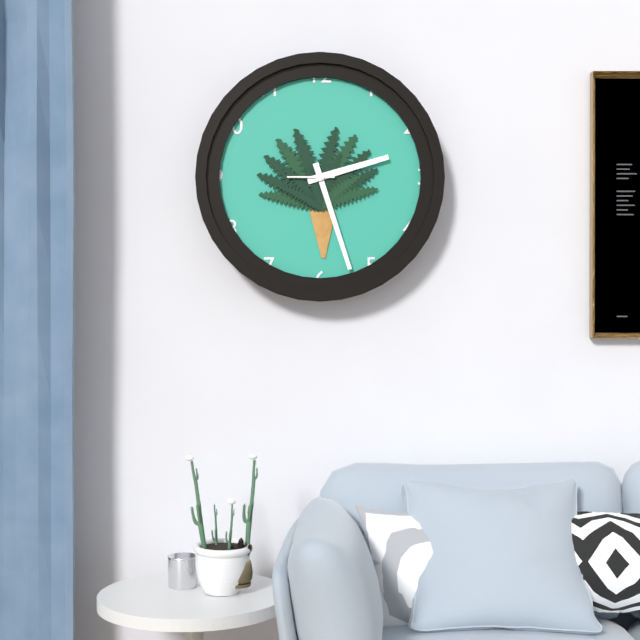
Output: **2:27**
